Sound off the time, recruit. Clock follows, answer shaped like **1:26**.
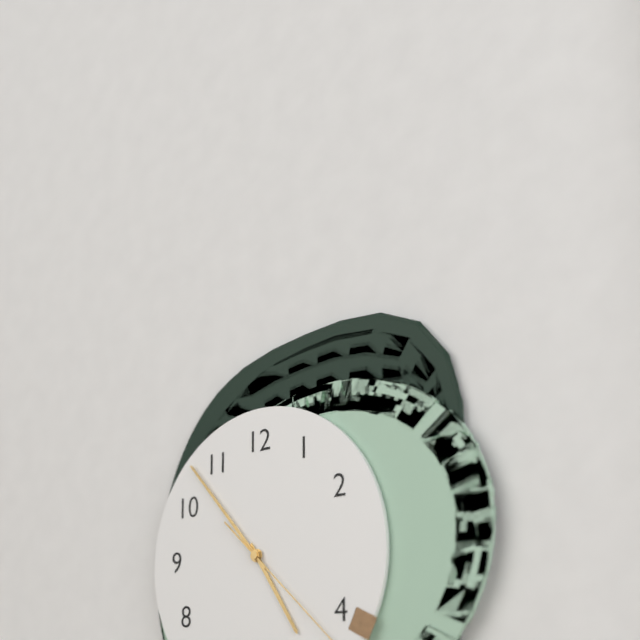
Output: **4:53**
